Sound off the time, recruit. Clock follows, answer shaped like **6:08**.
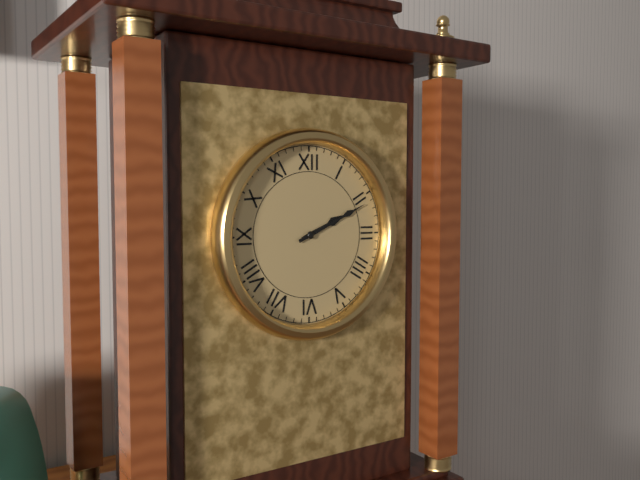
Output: **2:11**
